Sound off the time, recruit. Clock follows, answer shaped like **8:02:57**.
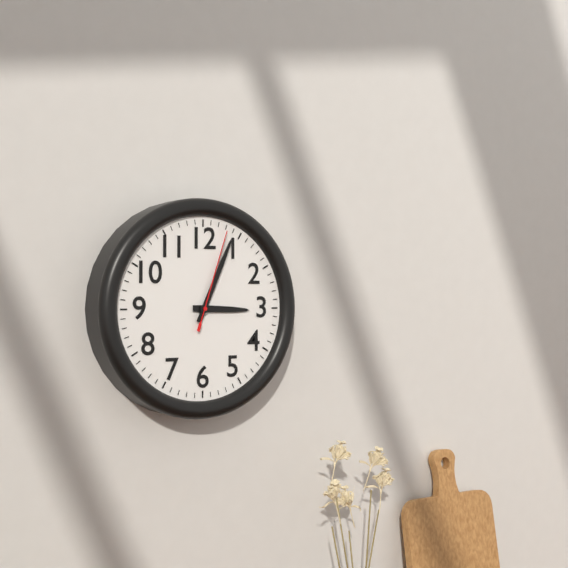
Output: **3:04:03**
